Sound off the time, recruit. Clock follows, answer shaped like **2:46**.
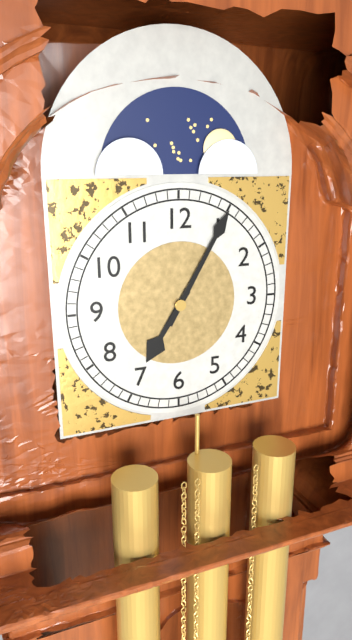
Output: **7:05**
